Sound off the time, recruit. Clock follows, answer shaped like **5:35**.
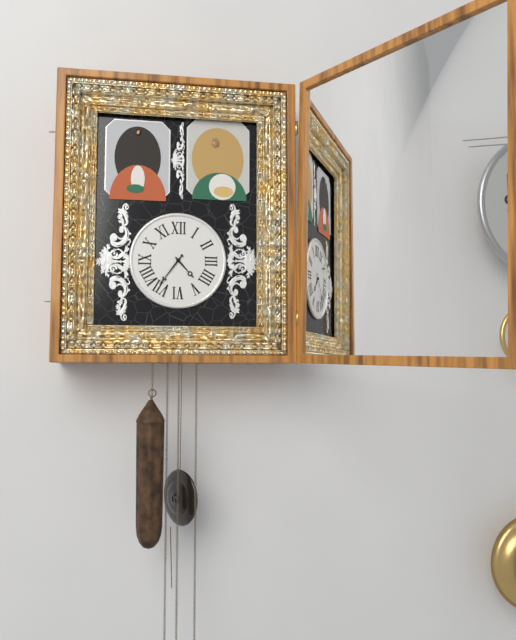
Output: **4:36**
